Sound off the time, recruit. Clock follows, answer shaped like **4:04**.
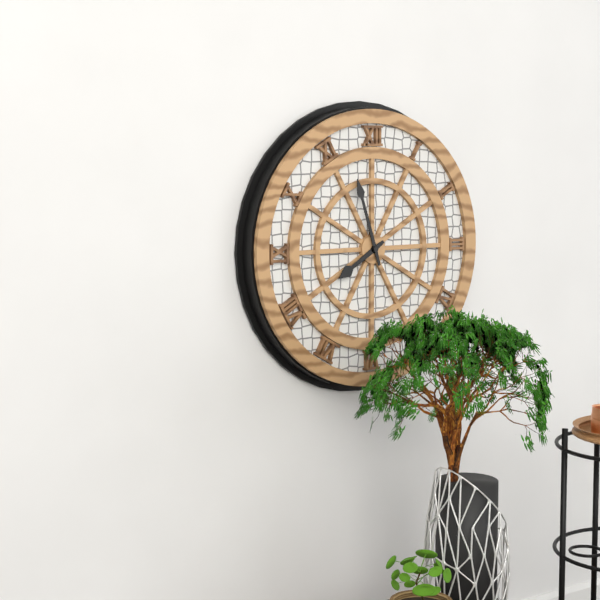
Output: **7:57**
